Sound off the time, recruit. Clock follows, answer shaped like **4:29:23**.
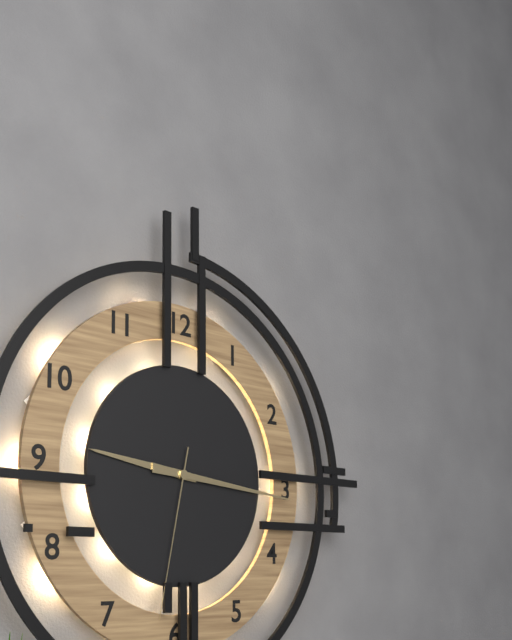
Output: **9:16:32**
